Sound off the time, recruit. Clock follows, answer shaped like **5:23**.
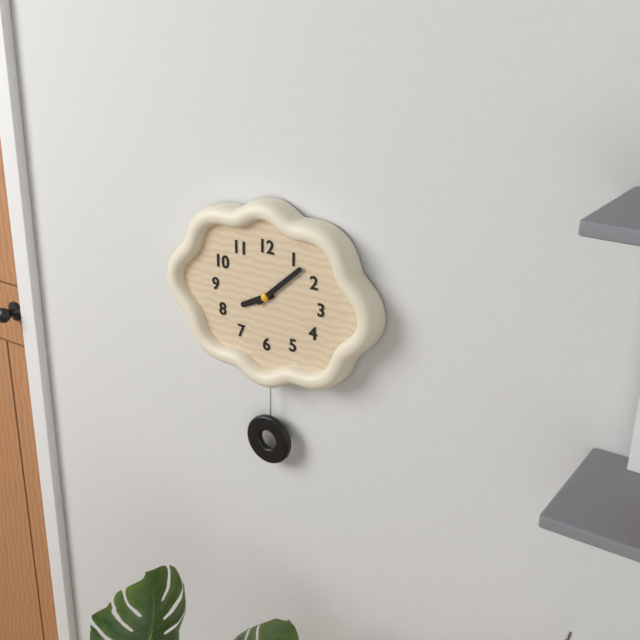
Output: **8:08**
